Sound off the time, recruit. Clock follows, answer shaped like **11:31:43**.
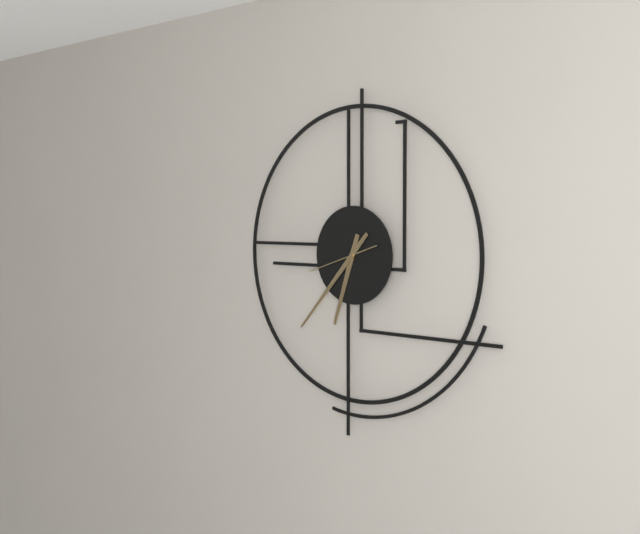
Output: **6:37:42**
